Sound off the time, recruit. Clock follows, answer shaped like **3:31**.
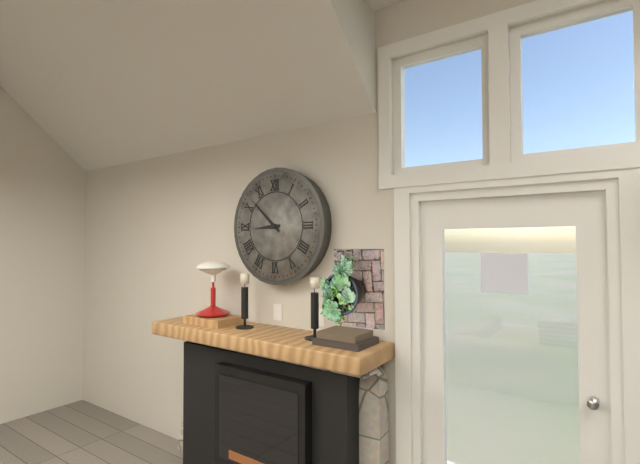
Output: **8:52**
